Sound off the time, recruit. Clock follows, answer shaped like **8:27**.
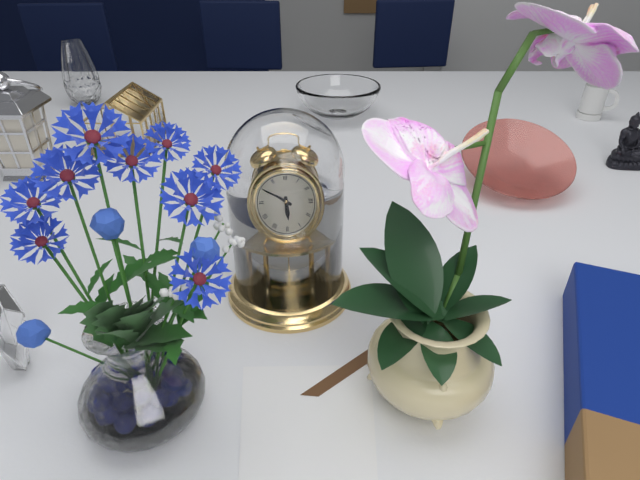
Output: **5:50**
